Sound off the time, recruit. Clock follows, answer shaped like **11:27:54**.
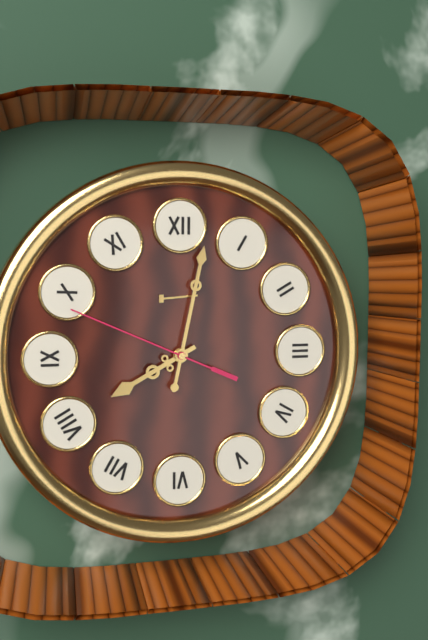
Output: **8:02:49**
